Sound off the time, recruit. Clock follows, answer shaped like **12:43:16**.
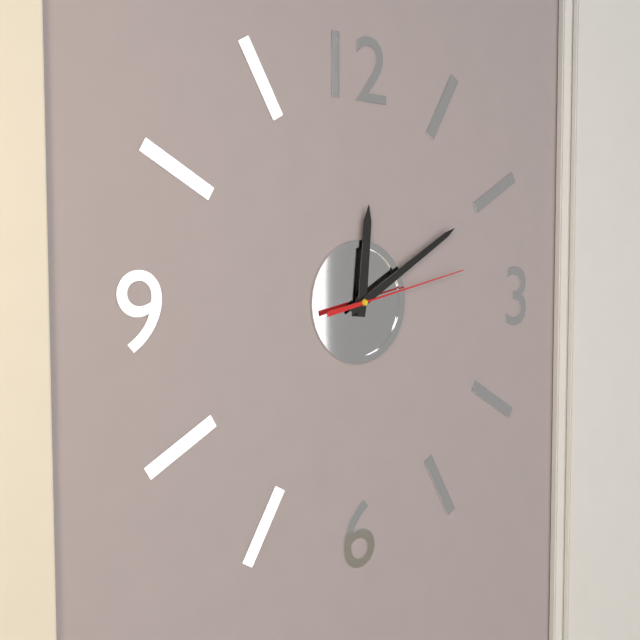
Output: **12:10:13**
